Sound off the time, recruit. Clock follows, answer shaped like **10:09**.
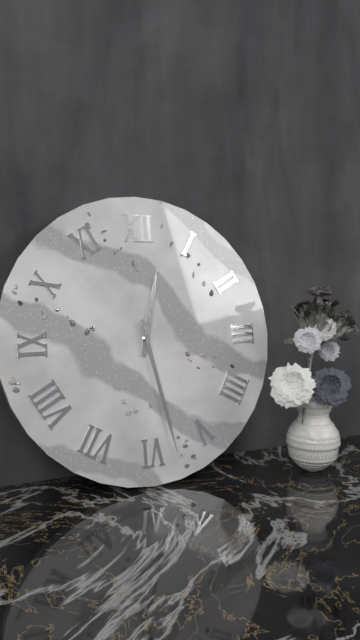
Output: **12:28**
